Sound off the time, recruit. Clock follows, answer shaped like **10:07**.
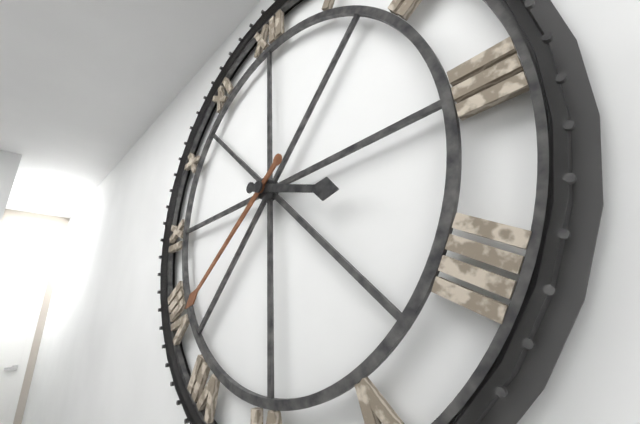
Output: **3:39**
